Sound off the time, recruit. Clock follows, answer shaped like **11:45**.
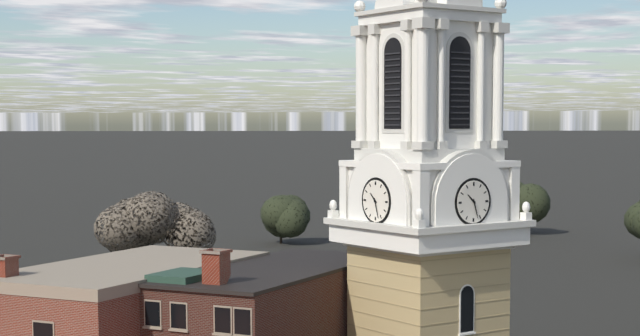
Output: **10:27**
